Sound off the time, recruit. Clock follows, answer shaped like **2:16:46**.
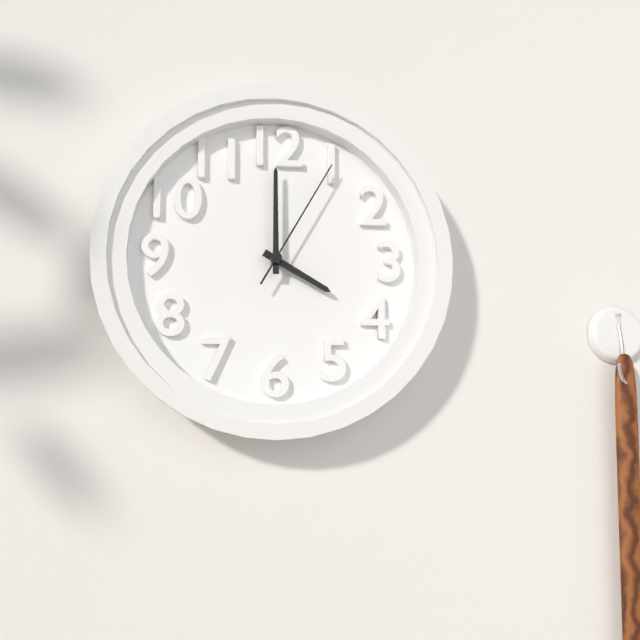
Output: **4:00:05**
